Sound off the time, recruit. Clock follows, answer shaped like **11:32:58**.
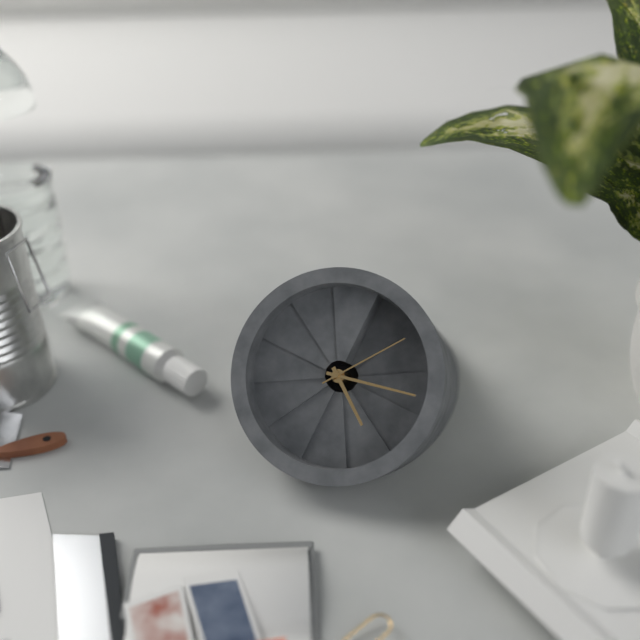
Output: **4:13:06**
